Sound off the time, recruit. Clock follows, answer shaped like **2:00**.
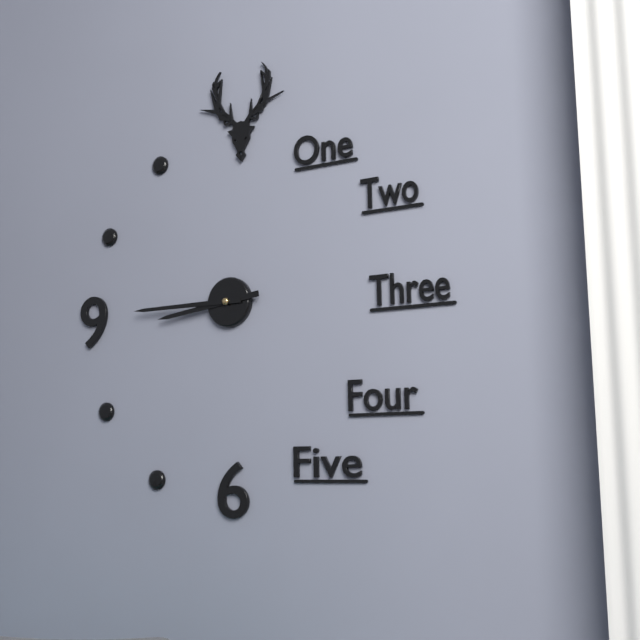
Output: **8:45**
